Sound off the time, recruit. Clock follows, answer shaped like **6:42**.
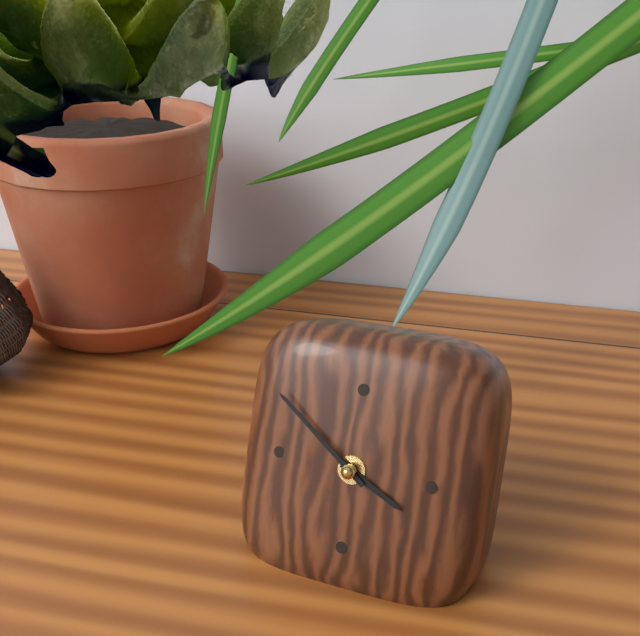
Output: **3:51**
